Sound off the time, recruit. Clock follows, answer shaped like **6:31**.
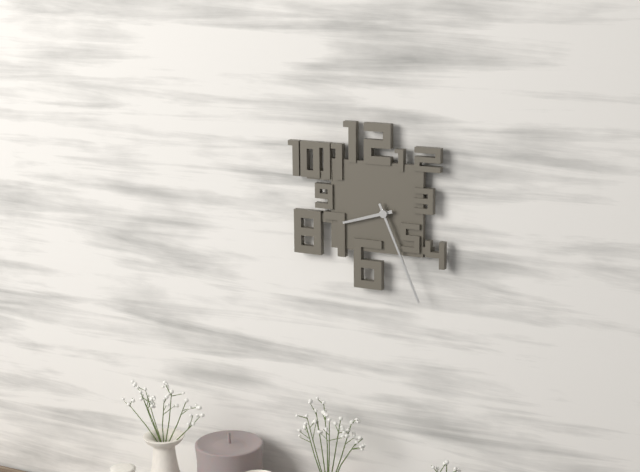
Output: **8:26**
